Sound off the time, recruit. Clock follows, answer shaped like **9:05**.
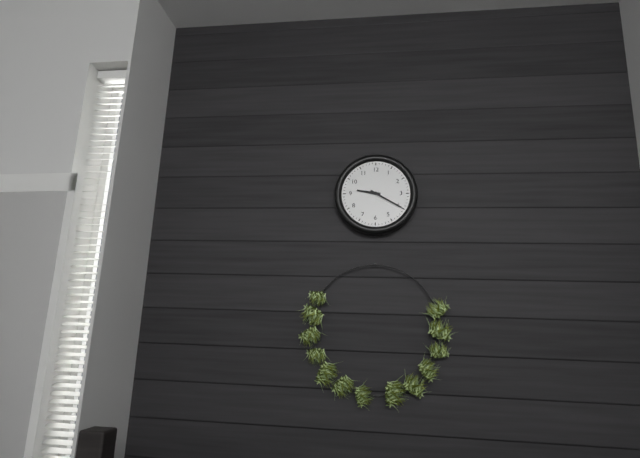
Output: **9:20**
